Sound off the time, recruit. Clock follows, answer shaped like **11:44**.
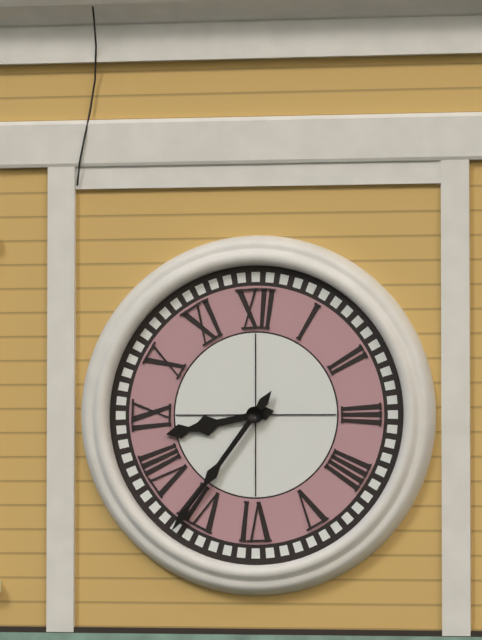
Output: **8:36**
